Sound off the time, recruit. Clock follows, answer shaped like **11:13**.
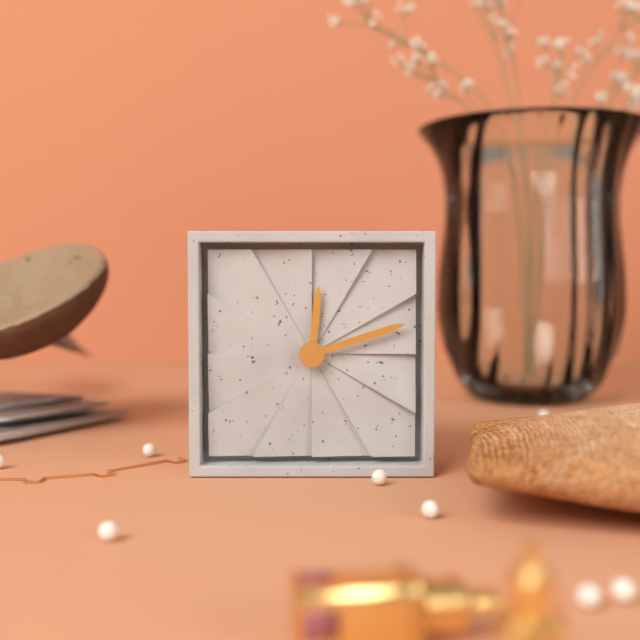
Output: **12:12**
